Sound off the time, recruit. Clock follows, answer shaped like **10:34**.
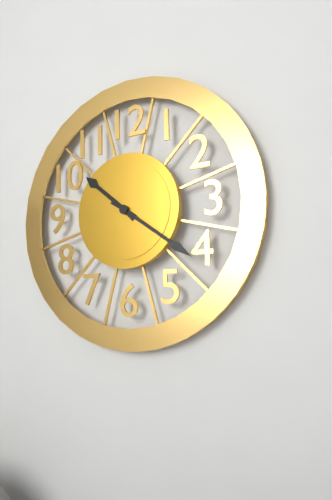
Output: **10:21**
